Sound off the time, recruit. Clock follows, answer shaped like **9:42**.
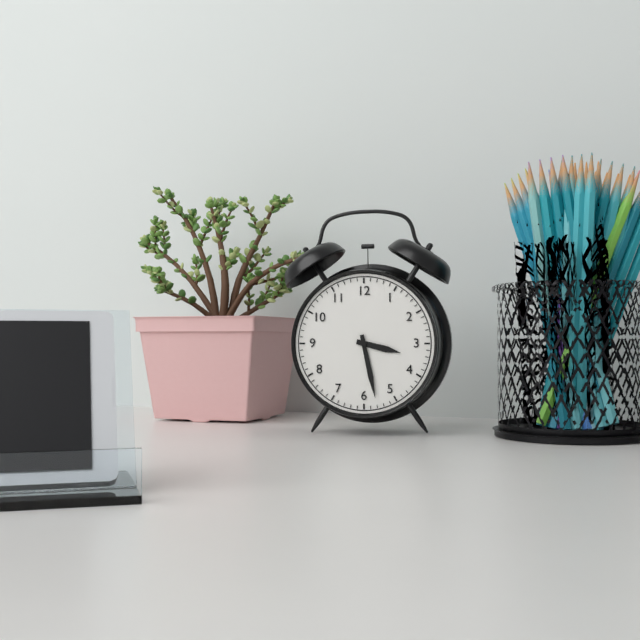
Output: **3:28**
